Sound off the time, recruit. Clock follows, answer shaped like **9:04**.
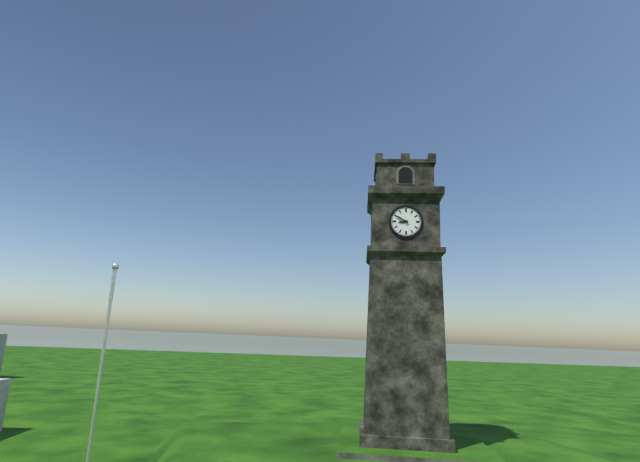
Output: **8:50**
